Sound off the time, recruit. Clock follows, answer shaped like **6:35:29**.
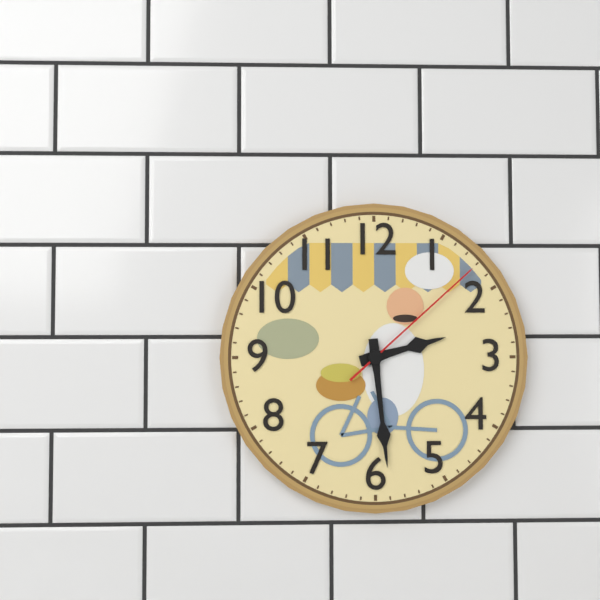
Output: **2:29:08**
